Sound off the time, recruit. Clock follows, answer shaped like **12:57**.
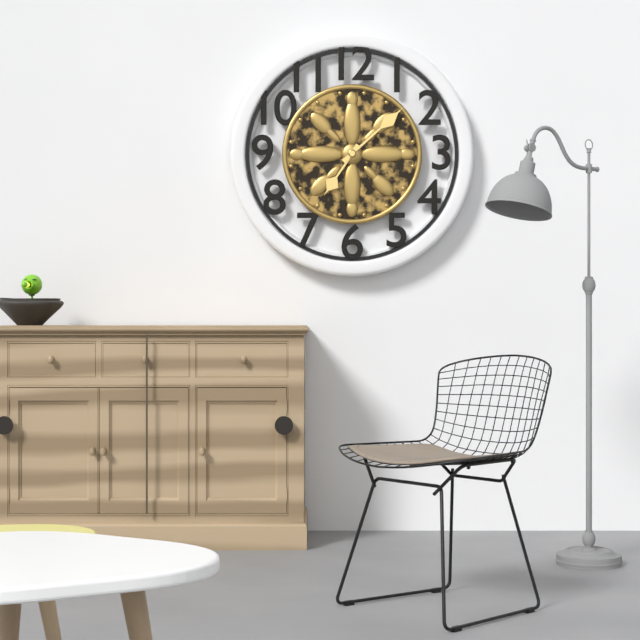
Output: **7:08**
